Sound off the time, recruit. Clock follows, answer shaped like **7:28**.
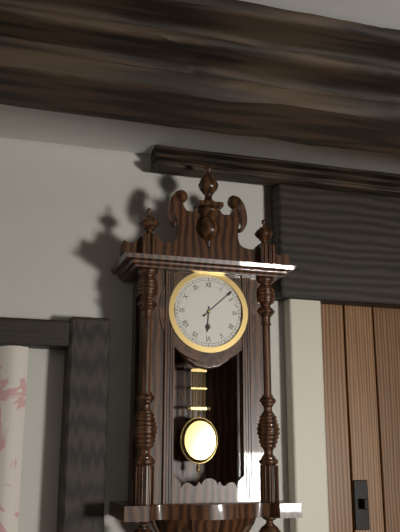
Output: **6:08**
